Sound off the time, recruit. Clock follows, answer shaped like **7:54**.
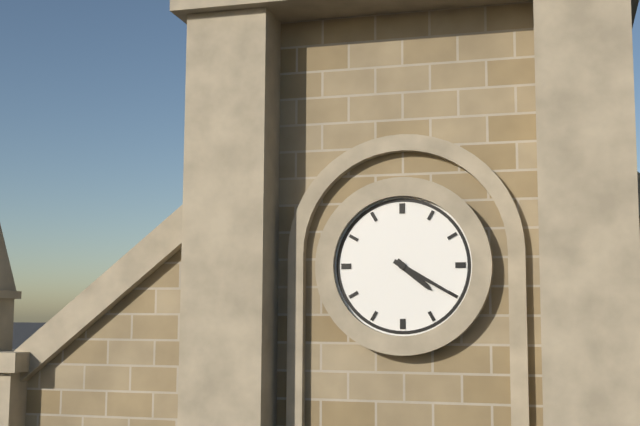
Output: **4:20**
